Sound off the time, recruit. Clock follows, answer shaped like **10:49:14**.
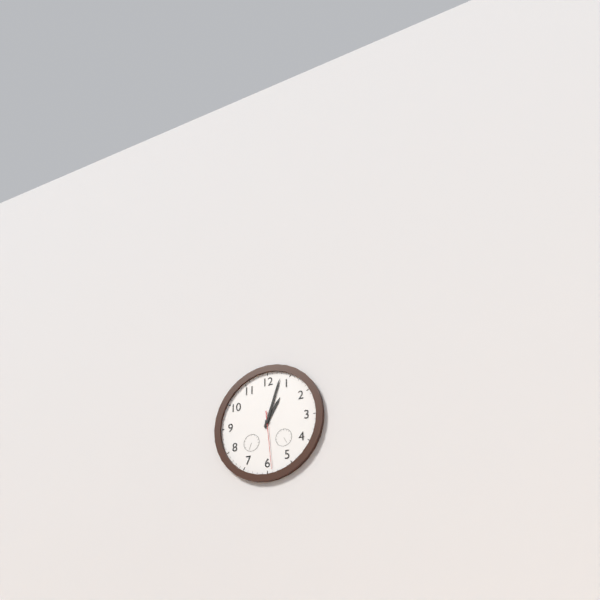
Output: **1:03:29**
